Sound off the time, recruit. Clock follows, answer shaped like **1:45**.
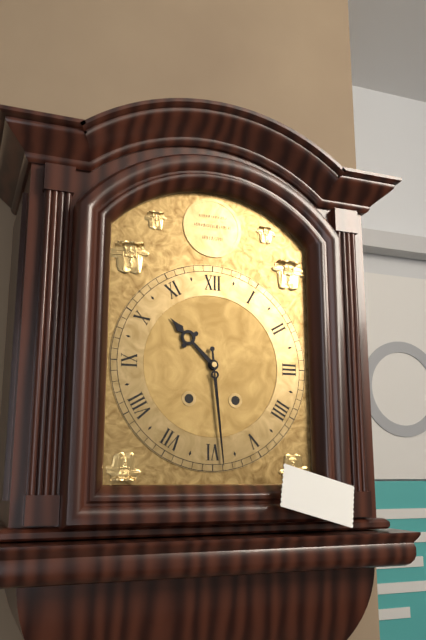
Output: **10:29**
